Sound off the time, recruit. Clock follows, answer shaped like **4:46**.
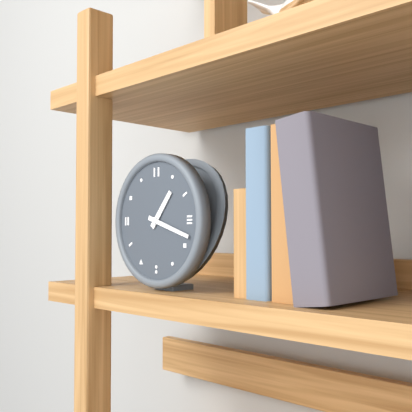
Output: **1:18**
